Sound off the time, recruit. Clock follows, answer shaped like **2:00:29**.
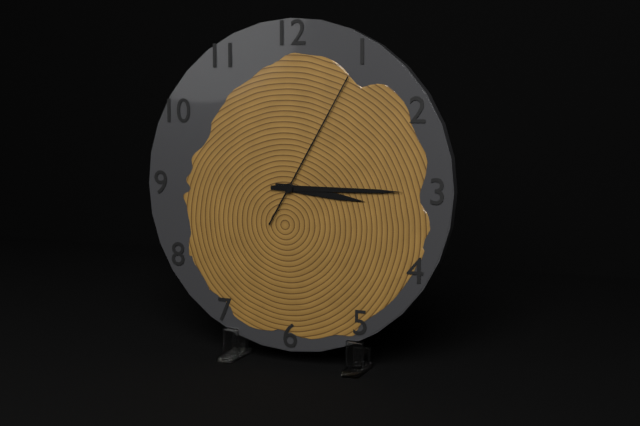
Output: **3:15:05**
